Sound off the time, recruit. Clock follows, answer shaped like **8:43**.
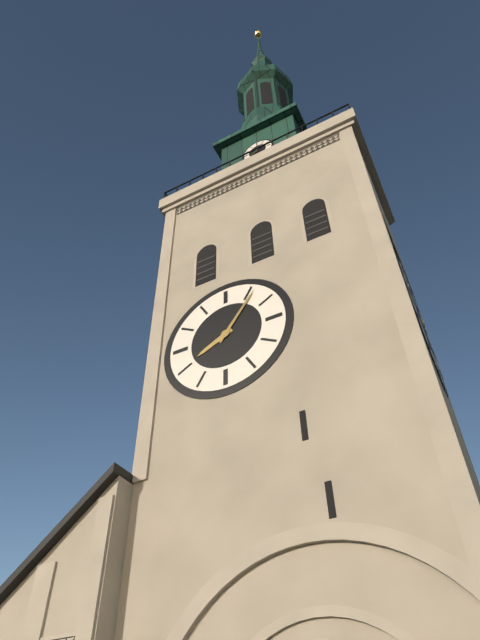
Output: **8:06**
